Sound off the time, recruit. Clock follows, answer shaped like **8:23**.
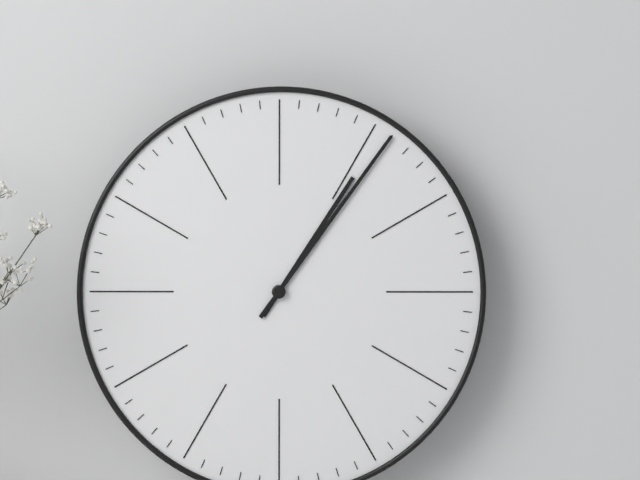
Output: **1:06**
